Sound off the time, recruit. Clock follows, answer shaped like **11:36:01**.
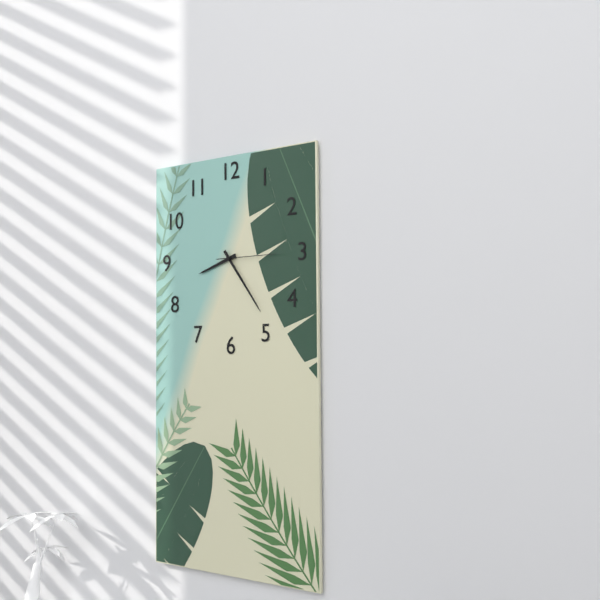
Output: **8:24:15**
